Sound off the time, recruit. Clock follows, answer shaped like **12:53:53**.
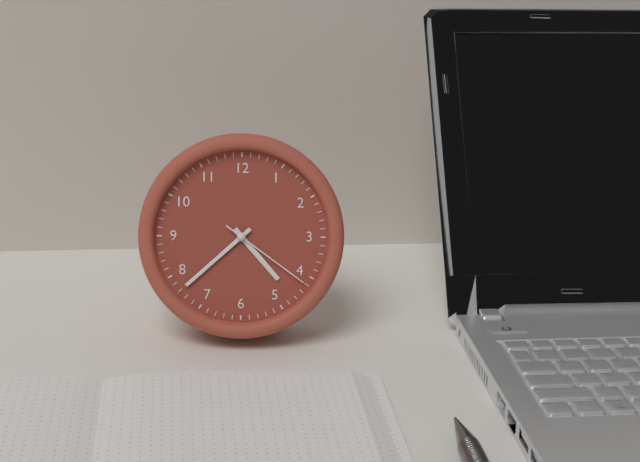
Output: **4:38:21**
